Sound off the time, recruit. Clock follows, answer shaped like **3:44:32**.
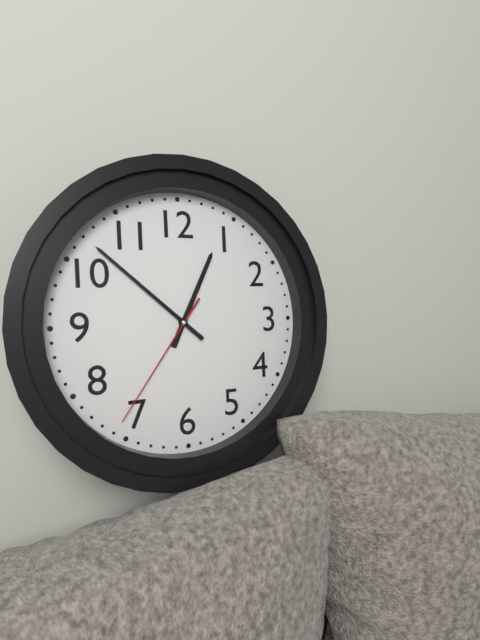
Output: **12:52:36**
